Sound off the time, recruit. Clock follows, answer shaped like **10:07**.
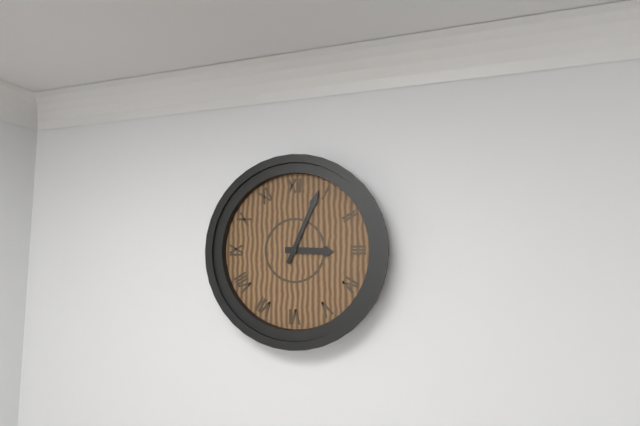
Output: **3:04**
